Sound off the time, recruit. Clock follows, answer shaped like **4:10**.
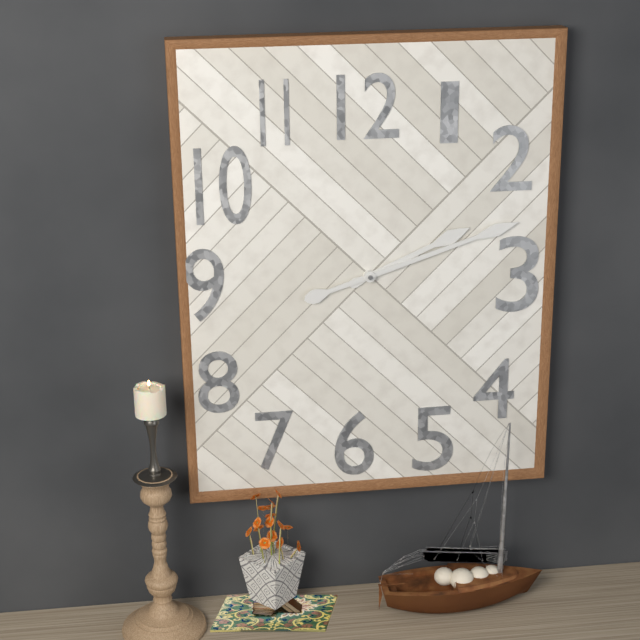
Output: **2:12**
